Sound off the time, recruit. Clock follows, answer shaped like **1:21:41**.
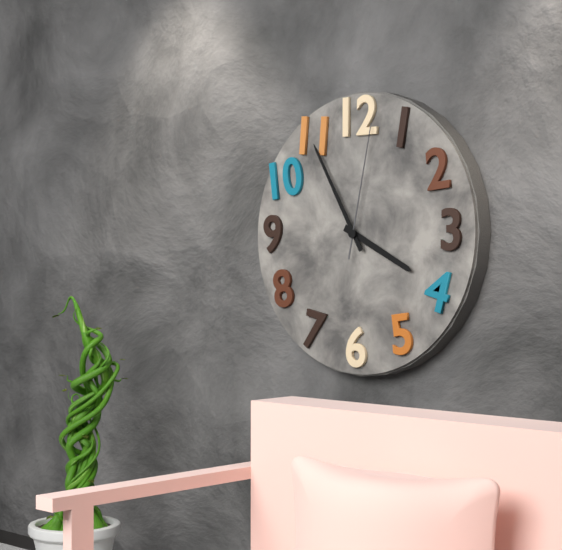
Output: **3:55:02**
